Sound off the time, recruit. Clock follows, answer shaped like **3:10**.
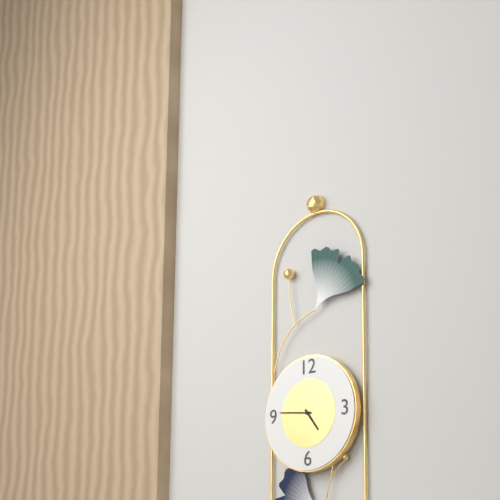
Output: **4:46**
